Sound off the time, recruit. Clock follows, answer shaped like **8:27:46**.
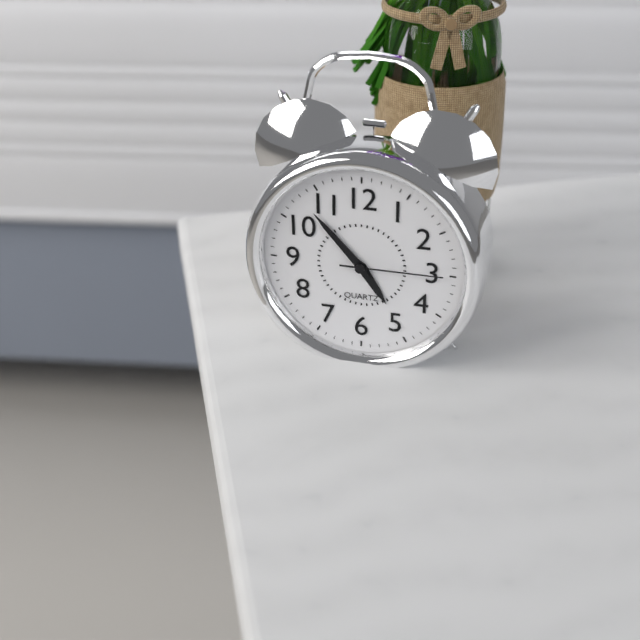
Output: **4:53:15**
